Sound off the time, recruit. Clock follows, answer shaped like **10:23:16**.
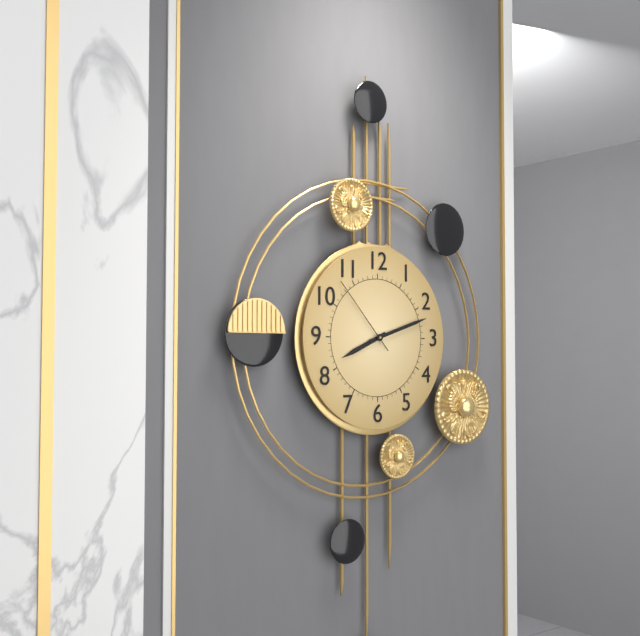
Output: **8:12:53**
